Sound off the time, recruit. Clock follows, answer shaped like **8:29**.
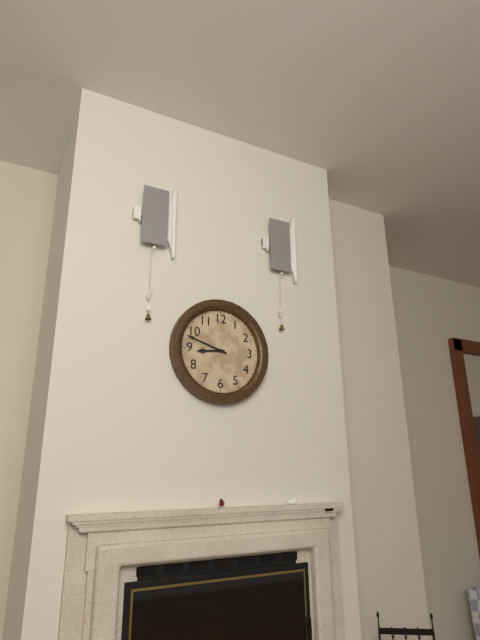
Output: **8:48**
